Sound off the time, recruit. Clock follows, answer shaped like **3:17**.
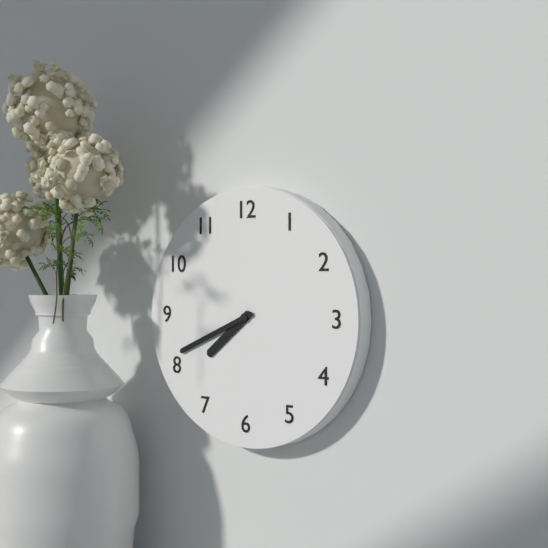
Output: **7:41**
